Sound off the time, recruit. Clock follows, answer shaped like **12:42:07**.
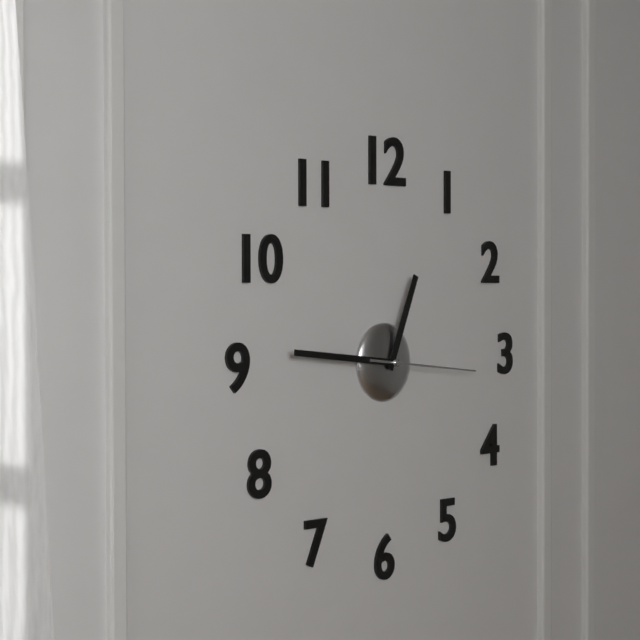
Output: **12:46:16**
